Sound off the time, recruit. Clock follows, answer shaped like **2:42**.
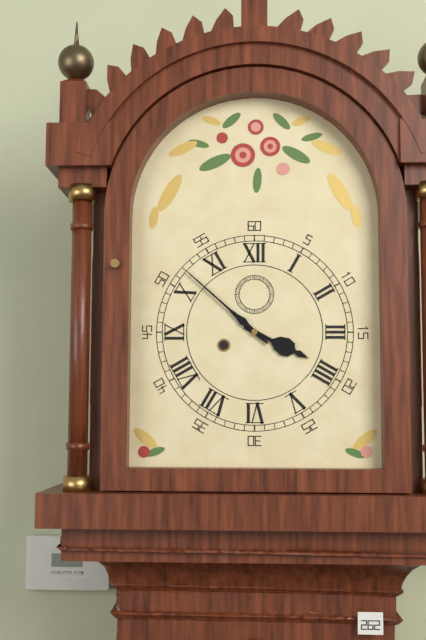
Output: **3:52**
